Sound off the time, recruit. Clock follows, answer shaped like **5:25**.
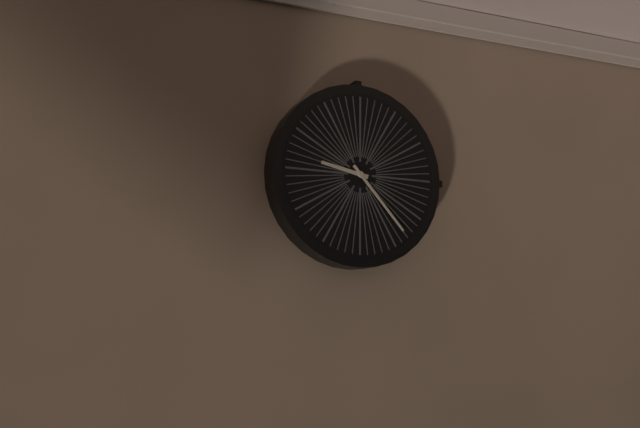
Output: **9:23**
